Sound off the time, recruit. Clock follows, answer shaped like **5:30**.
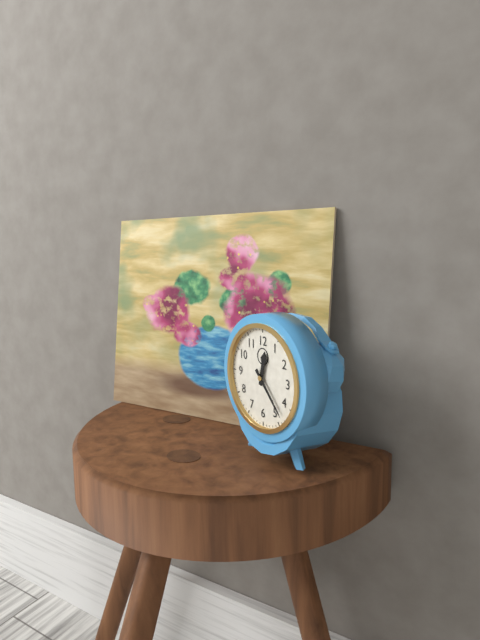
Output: **12:23**
